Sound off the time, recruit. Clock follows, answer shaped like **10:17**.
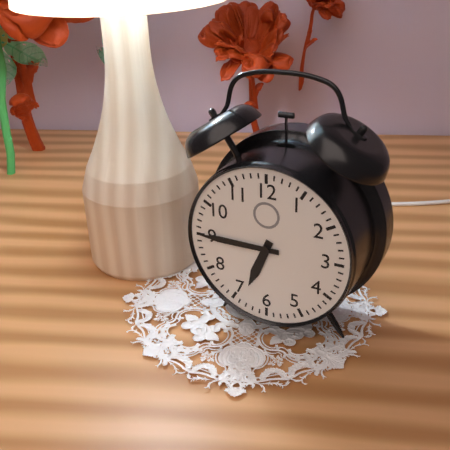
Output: **6:45**
